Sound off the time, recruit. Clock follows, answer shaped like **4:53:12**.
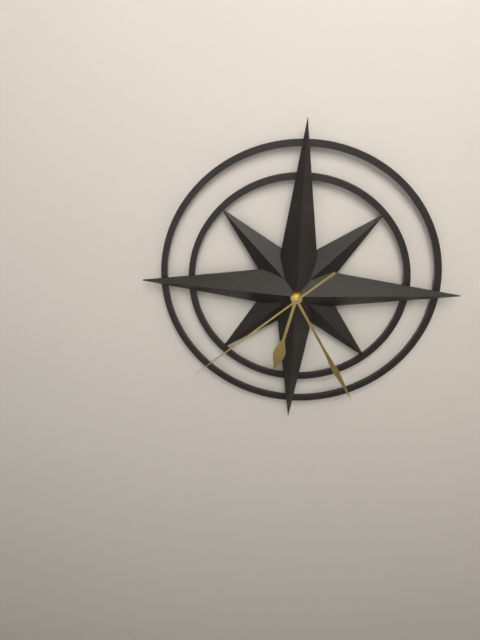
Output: **6:25:38**
